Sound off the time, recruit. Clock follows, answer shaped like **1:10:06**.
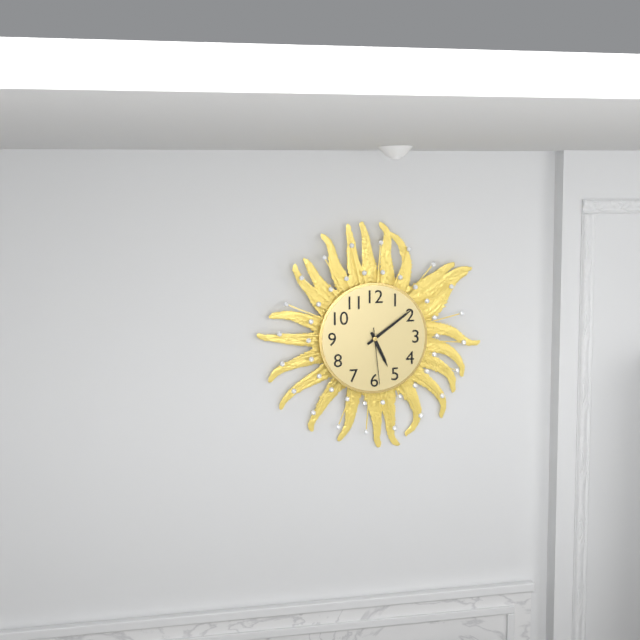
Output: **5:09:29**
